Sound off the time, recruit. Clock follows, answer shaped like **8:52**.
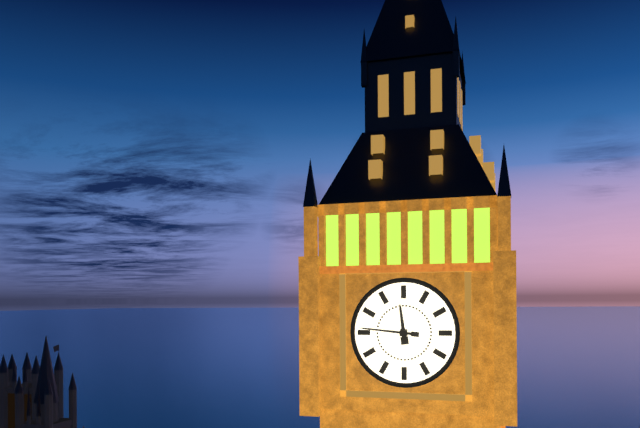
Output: **11:46**
